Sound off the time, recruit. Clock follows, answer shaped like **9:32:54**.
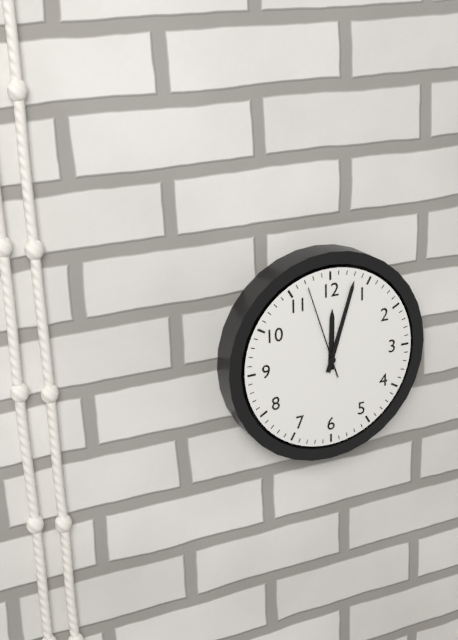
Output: **12:03:57**
